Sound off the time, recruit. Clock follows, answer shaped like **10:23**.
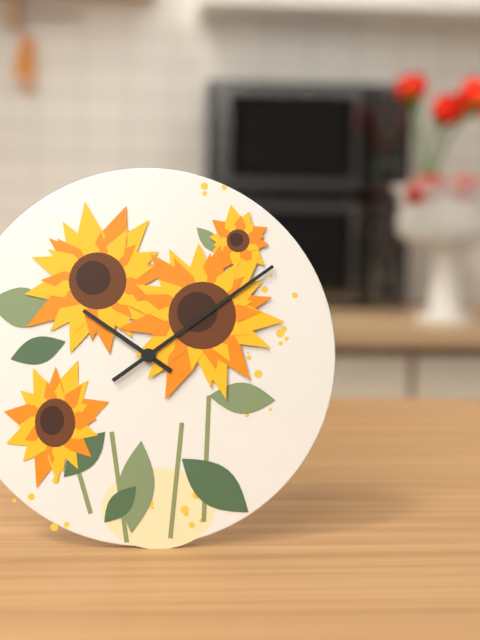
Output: **10:09**
